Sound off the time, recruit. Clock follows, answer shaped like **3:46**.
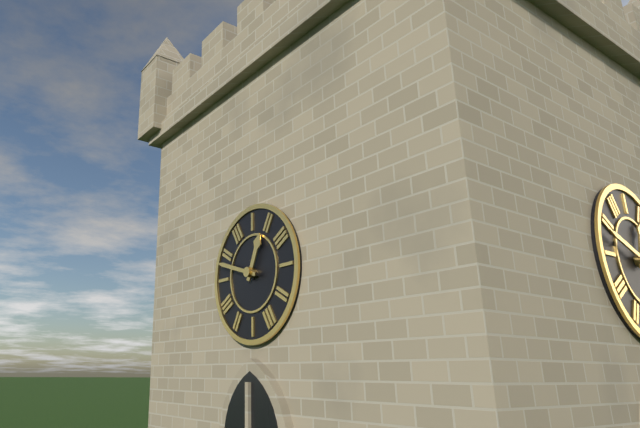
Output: **12:48**
